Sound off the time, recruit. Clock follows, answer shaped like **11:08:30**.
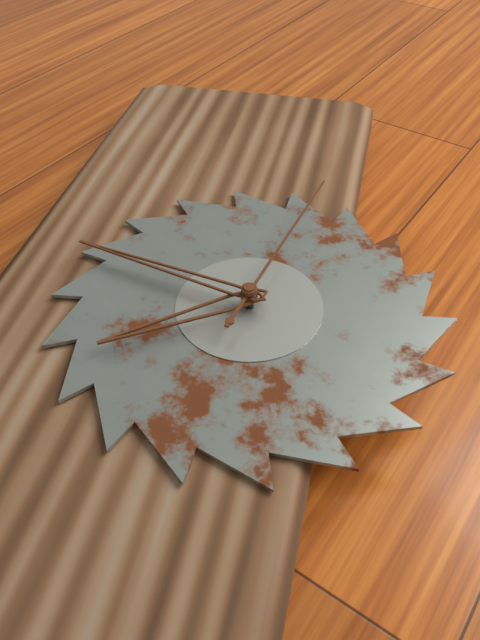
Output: **7:47:02**
